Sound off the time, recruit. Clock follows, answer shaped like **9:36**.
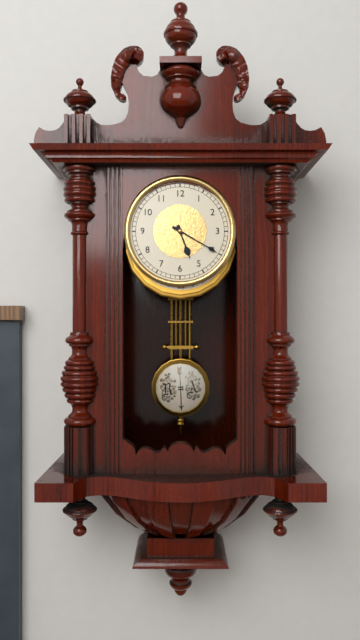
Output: **5:20**
